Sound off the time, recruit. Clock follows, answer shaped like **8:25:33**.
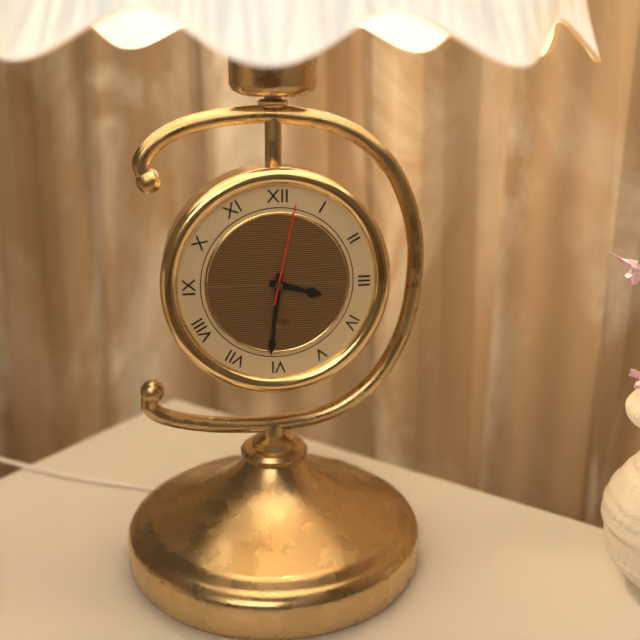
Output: **3:31:02**
